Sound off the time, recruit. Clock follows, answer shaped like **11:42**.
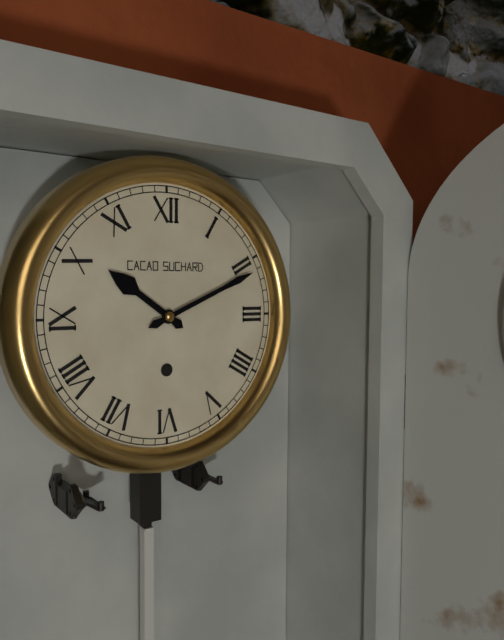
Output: **10:11**
